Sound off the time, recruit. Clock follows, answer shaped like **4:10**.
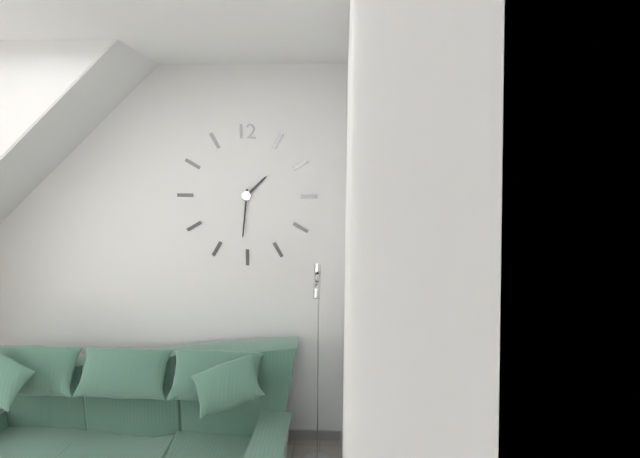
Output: **1:31**
